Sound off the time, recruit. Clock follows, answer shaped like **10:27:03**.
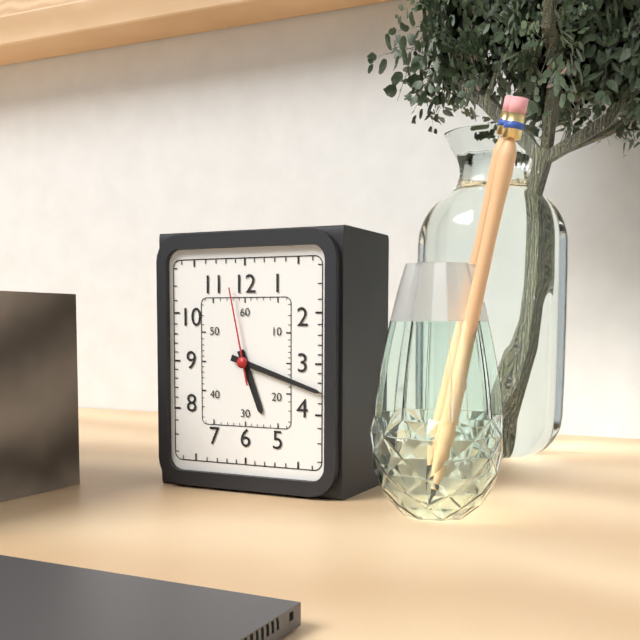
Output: **5:18:58**
